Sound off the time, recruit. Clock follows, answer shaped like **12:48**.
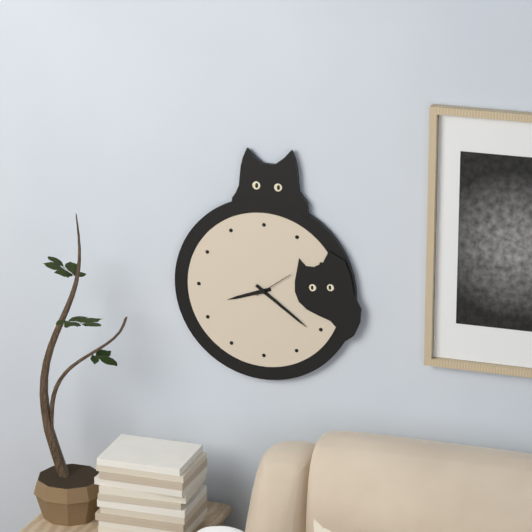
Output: **8:21**
